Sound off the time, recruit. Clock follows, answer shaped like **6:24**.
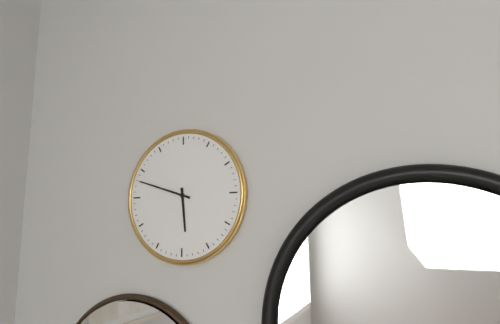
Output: **5:48**
